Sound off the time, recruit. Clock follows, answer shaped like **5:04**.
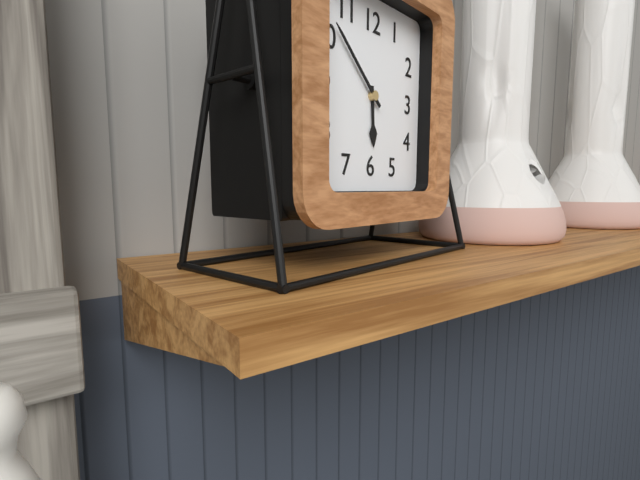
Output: **5:52**
